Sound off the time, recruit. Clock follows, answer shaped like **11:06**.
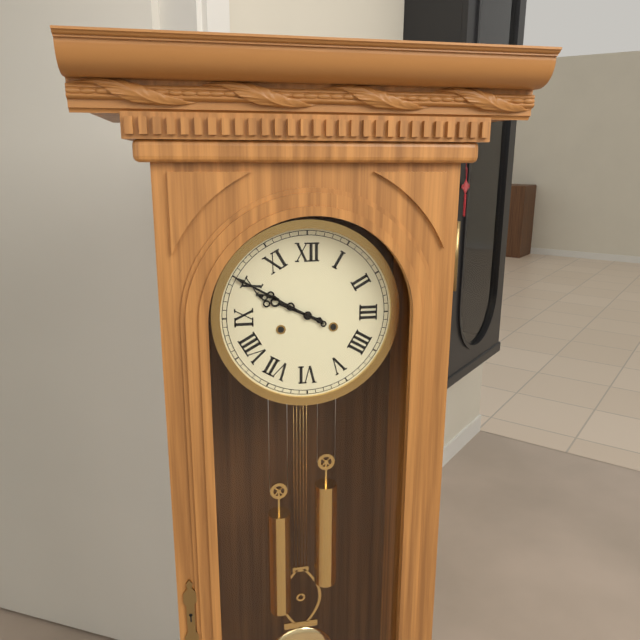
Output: **9:50**
